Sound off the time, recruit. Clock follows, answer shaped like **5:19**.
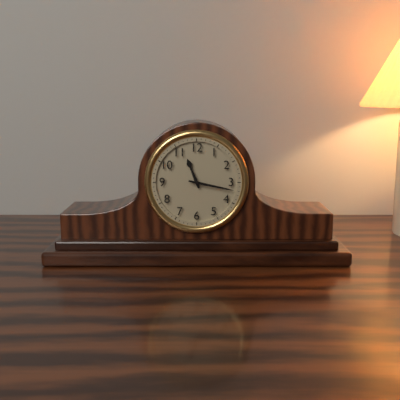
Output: **11:17**
